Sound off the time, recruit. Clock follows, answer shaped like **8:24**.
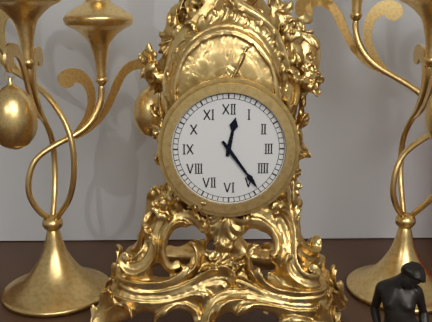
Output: **12:24**
